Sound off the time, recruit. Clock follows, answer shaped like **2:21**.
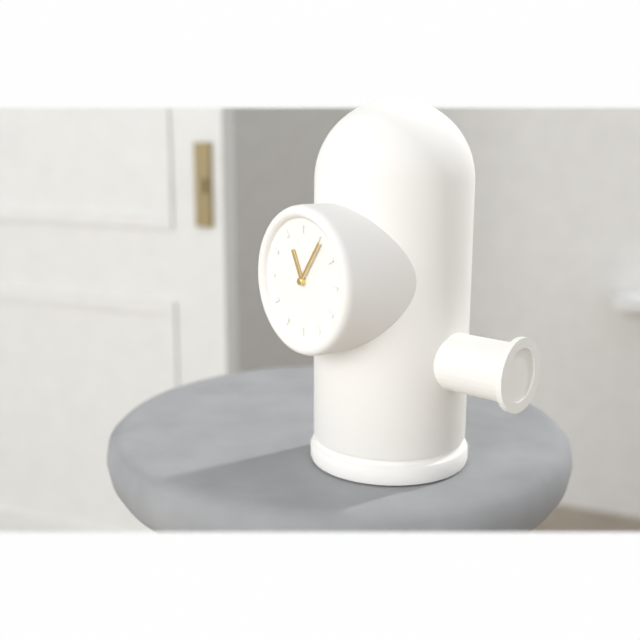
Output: **11:06**
